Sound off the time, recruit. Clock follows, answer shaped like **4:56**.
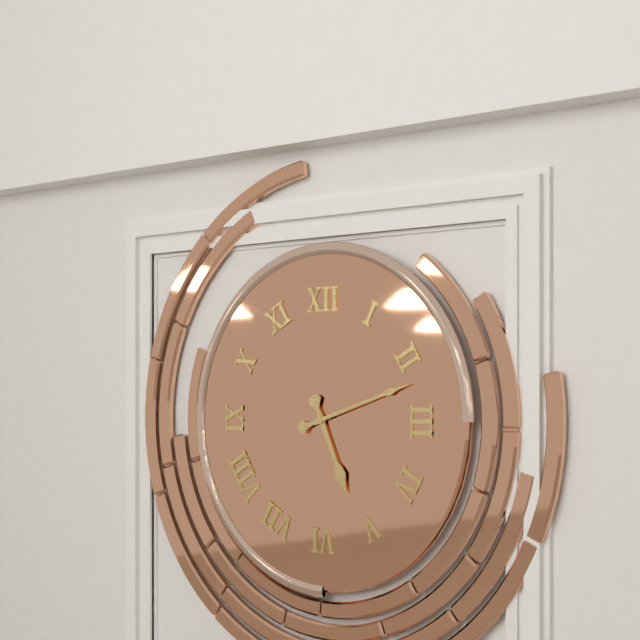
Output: **5:12**
